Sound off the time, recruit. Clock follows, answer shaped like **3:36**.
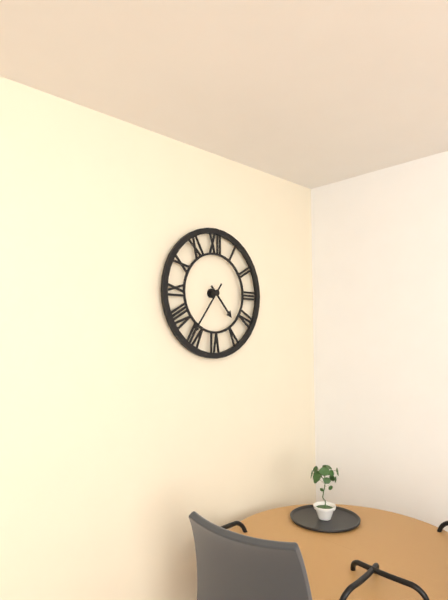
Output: **4:36**
